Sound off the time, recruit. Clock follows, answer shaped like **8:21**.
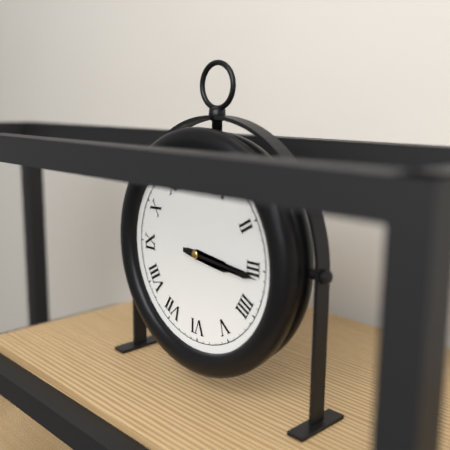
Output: **3:16**
